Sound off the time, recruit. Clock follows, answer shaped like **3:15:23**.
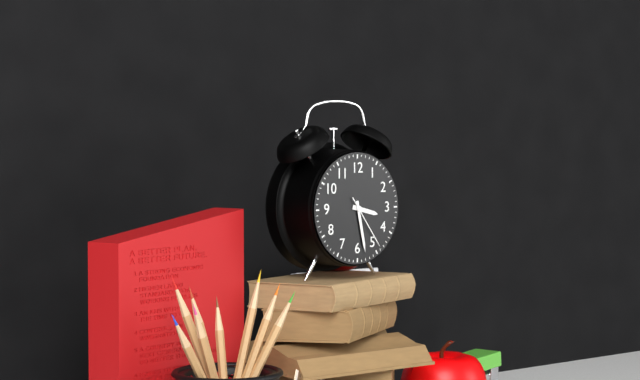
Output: **3:28:24**
